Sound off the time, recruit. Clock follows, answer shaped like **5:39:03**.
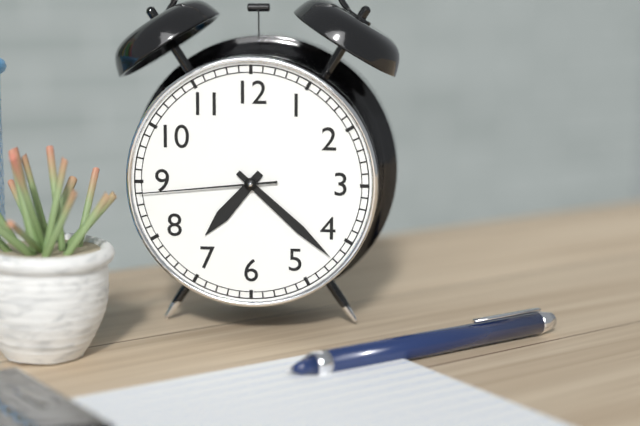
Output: **7:22:44**
